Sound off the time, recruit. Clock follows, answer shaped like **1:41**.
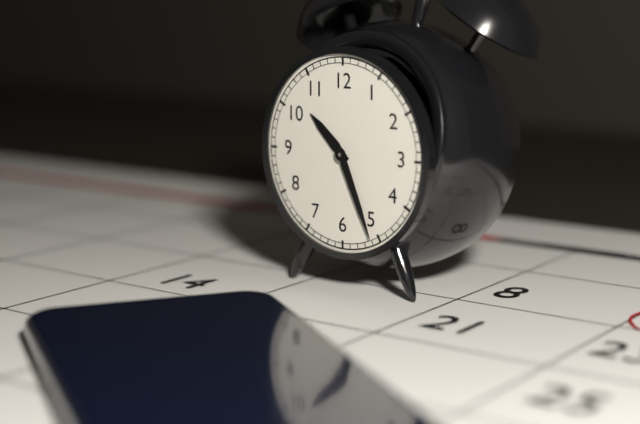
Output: **10:26**
